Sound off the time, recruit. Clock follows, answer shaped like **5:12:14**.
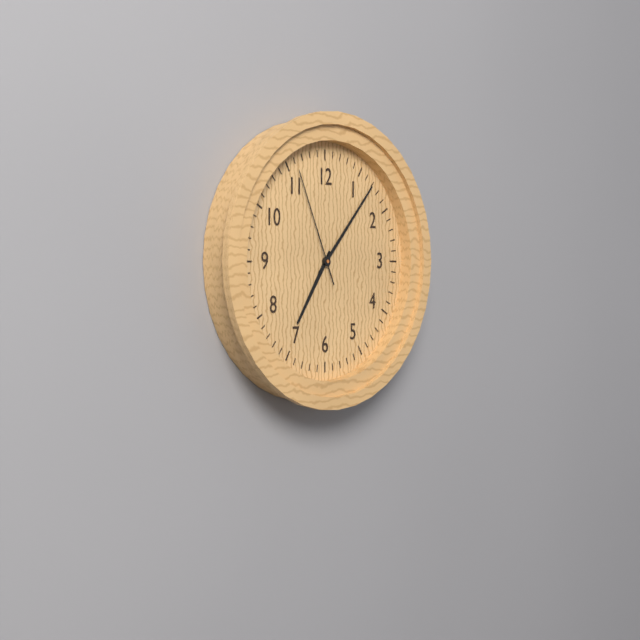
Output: **7:07:56**
